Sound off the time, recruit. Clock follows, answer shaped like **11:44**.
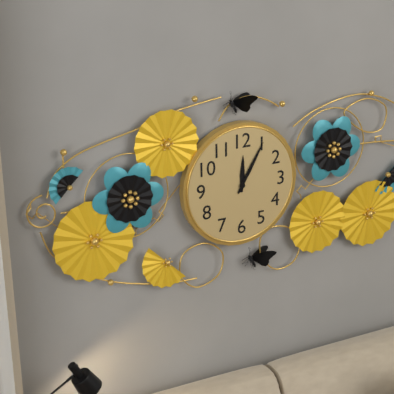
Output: **12:05**
